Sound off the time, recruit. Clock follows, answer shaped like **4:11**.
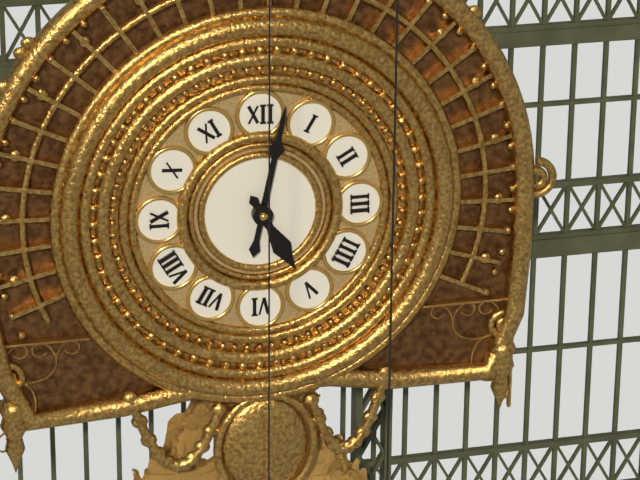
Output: **5:02**
